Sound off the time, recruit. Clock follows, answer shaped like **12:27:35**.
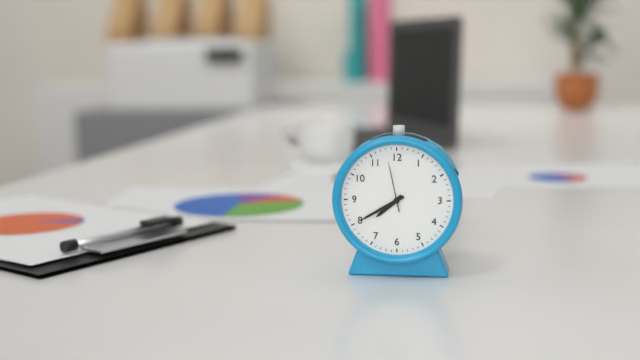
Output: **7:40:58**
